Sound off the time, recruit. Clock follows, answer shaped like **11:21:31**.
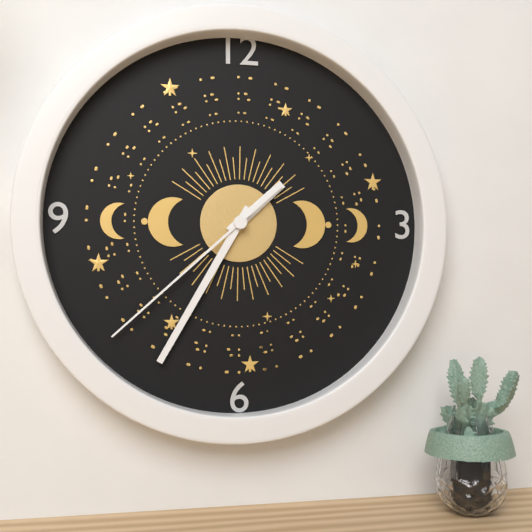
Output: **1:35:38**
